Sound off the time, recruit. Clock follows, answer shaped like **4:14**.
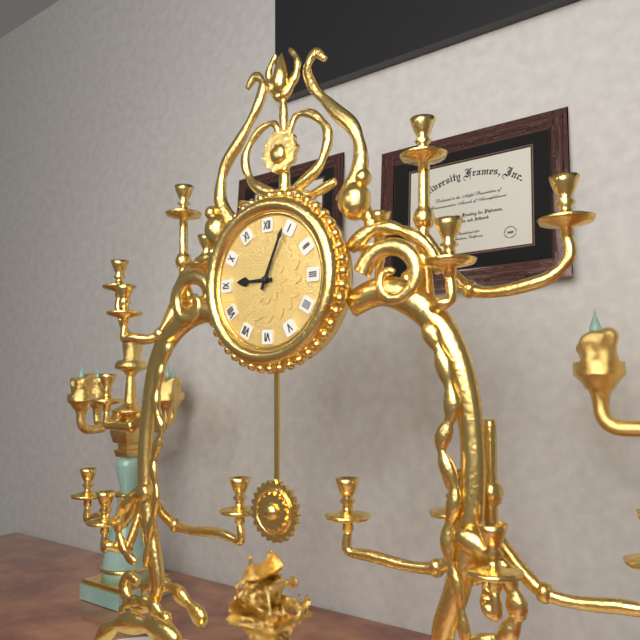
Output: **9:04**
